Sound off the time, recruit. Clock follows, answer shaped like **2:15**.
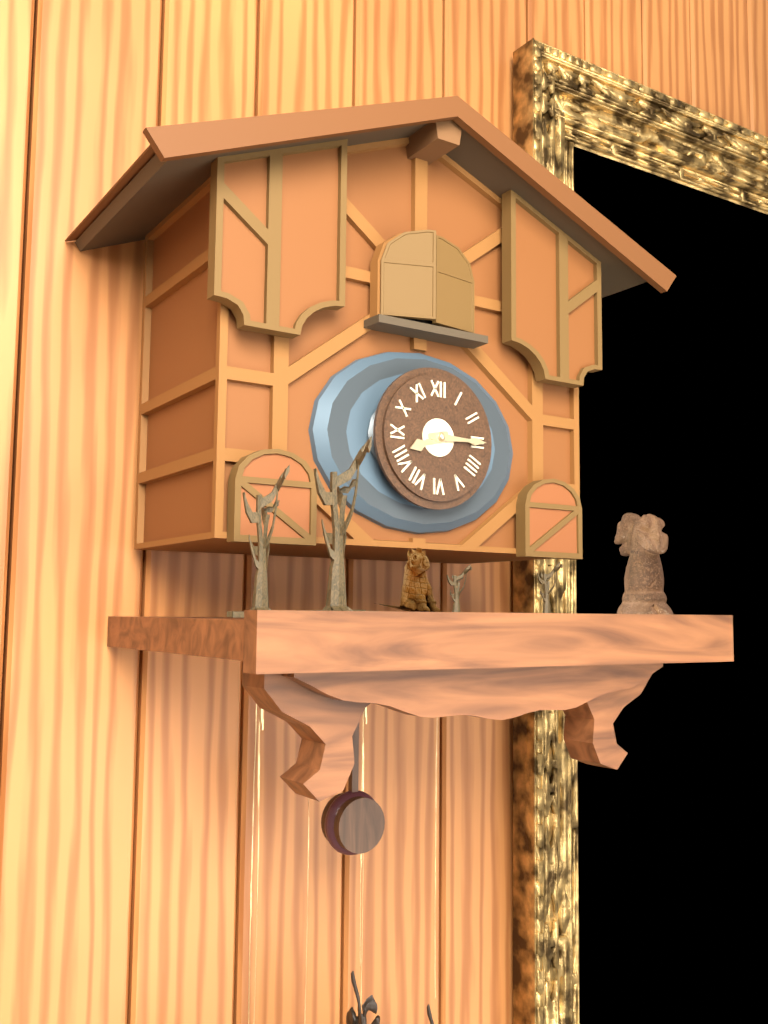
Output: **8:15**
